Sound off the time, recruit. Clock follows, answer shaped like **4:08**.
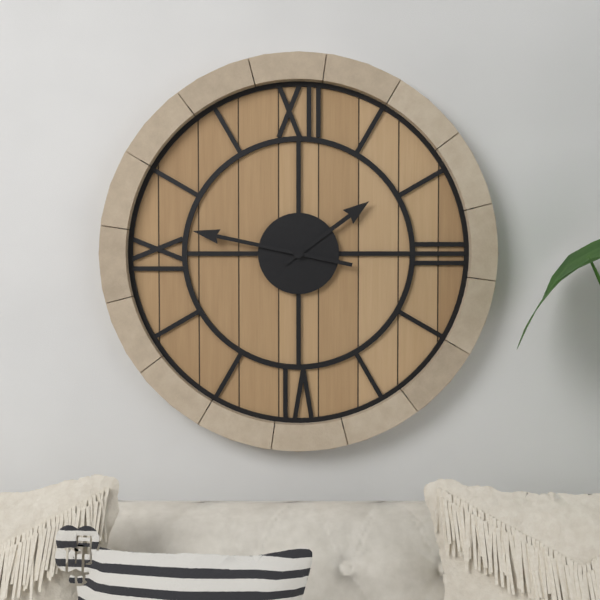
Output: **1:47**
